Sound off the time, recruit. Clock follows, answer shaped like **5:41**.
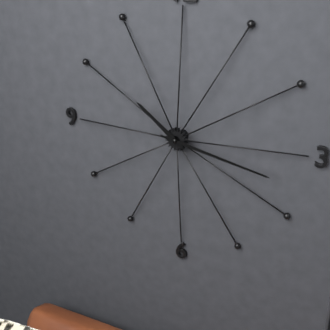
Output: **10:17**
